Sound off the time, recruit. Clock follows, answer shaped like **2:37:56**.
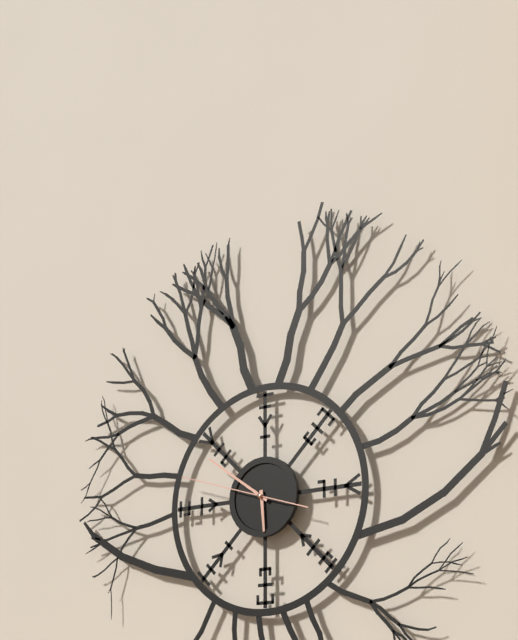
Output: **5:51:48**
